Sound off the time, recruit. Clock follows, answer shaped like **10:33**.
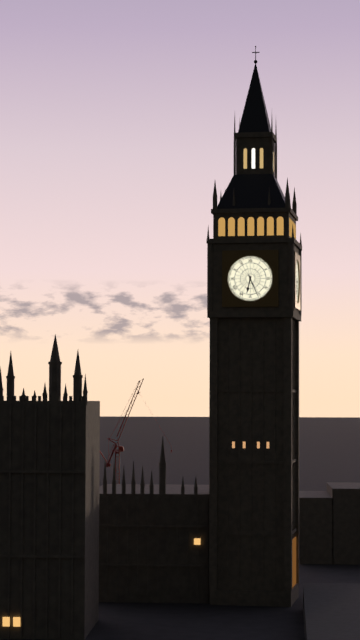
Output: **6:26**
